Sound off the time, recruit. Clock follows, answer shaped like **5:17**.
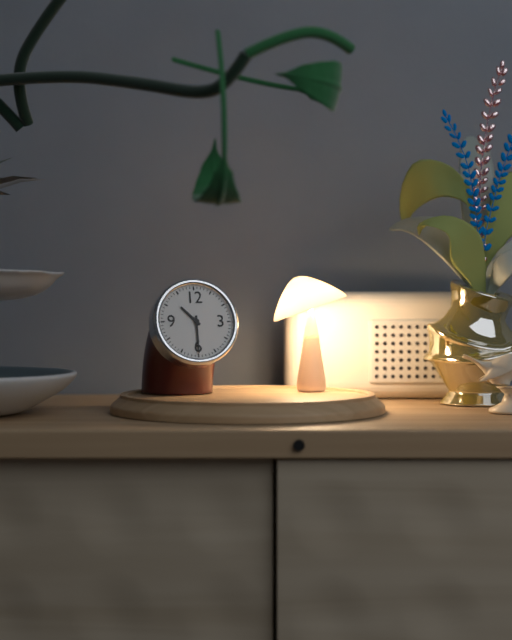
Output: **10:30**
